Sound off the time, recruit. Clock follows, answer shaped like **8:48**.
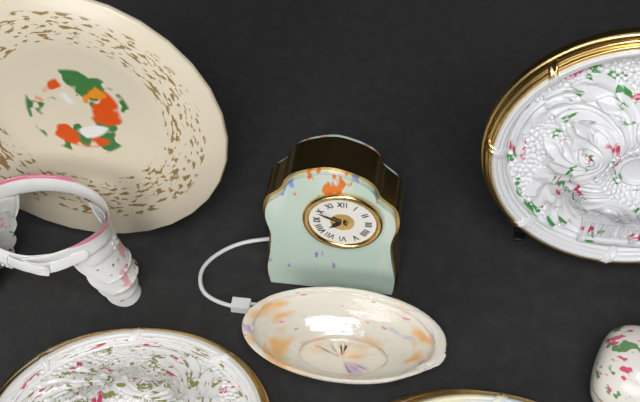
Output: **7:49**
